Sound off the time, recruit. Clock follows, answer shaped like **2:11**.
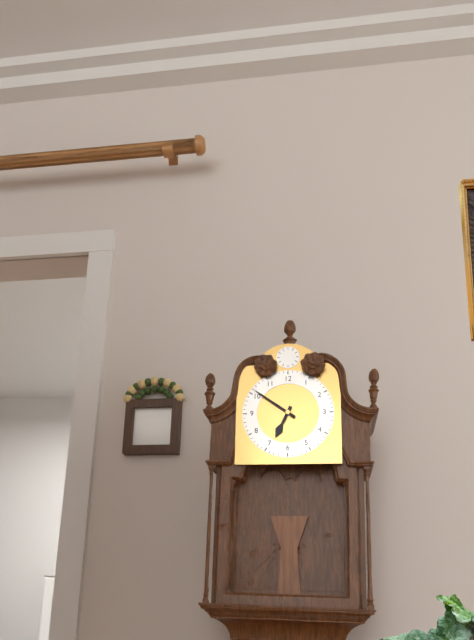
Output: **6:51**
